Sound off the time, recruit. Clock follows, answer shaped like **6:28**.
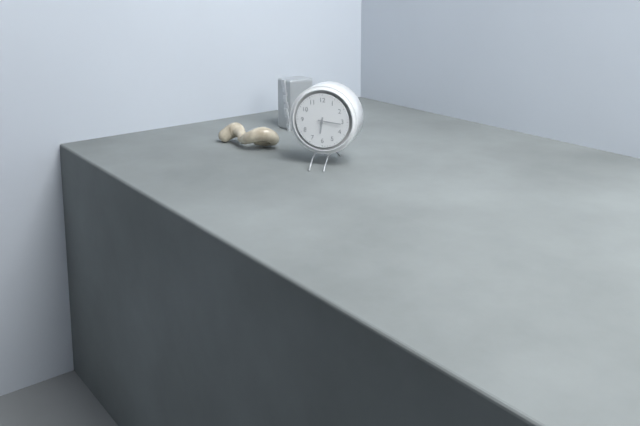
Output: **6:16**
